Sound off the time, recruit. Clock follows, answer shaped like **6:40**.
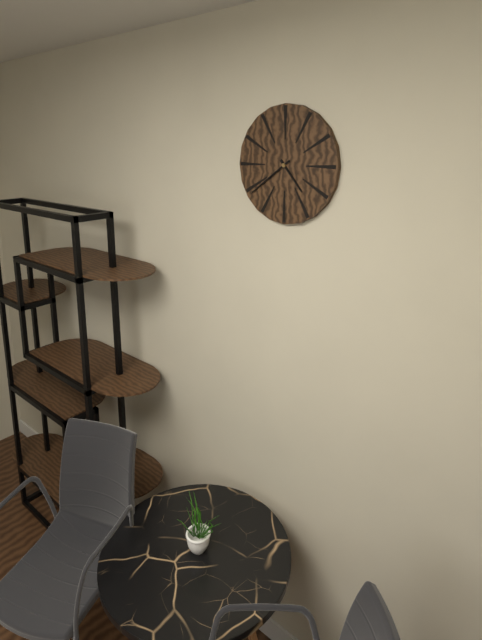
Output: **4:39**
